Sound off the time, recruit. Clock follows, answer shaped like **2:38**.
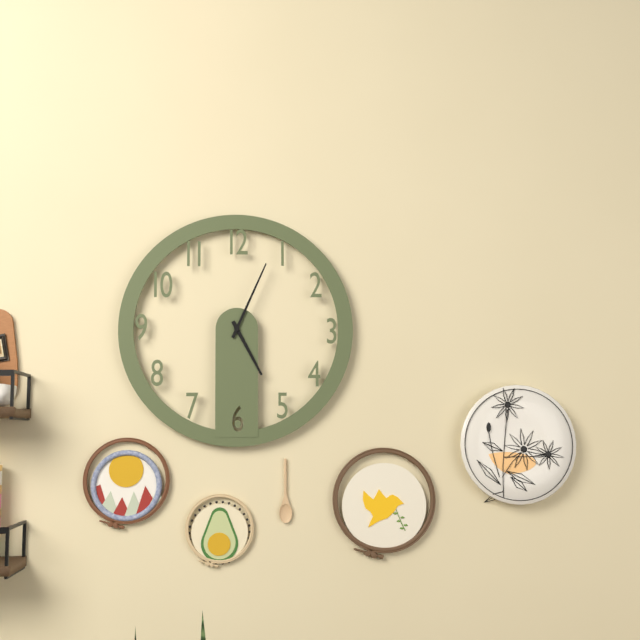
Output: **5:04**
